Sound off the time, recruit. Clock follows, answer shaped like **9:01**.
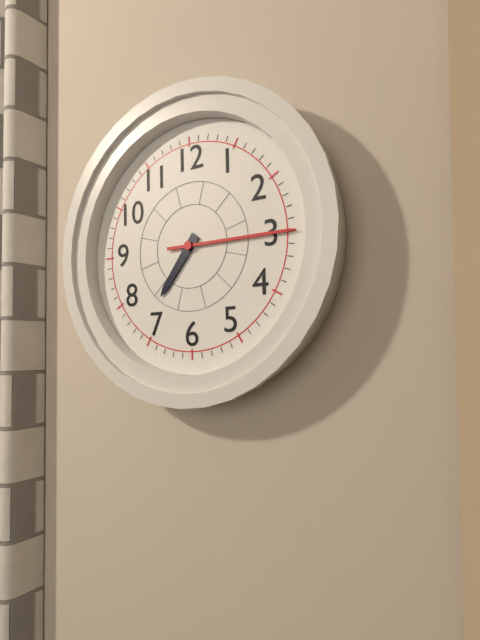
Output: **7:15**
